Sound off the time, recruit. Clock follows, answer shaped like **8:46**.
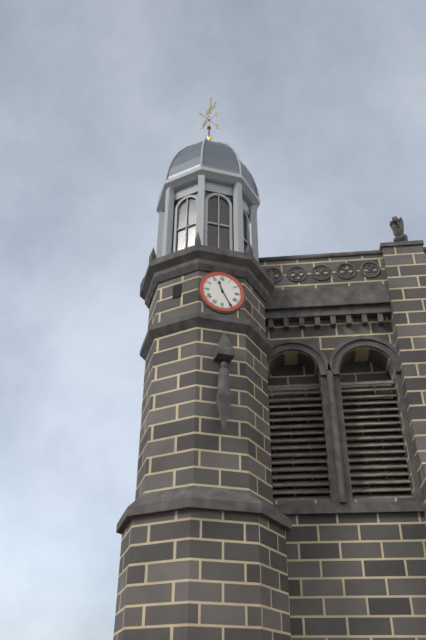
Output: **11:25**
